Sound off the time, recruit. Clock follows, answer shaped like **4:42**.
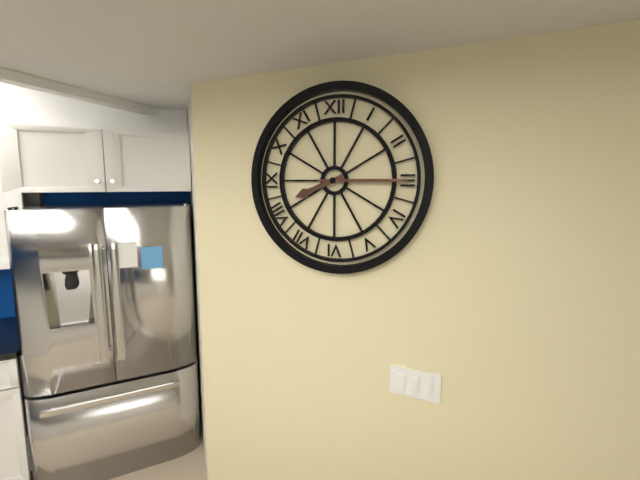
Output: **8:15**
